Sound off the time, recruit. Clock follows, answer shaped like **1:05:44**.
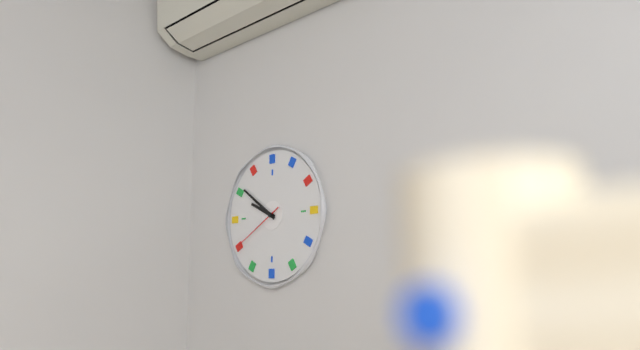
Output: **9:51:40**
